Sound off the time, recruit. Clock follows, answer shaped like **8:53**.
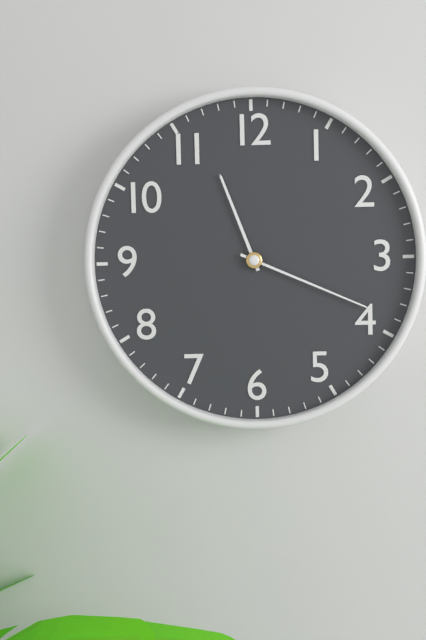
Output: **11:19**
